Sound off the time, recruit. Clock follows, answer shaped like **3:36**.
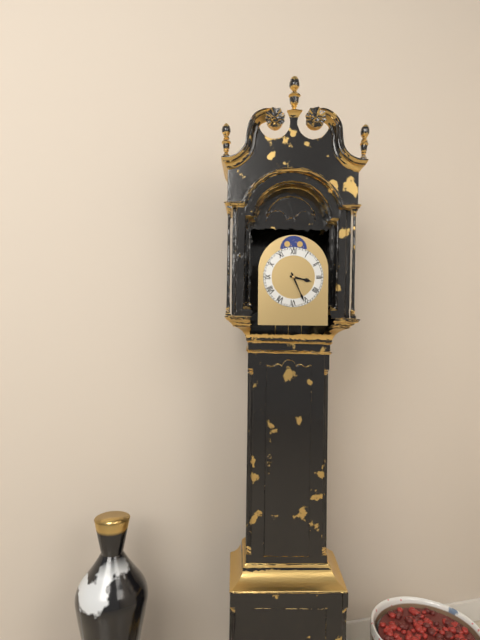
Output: **3:26**
